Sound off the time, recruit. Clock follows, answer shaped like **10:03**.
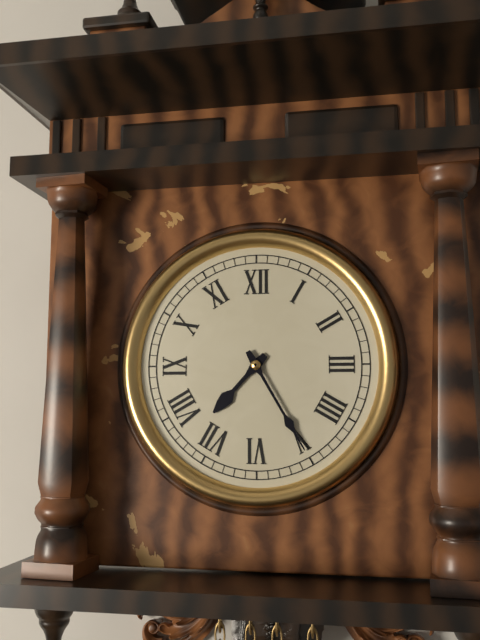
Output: **7:25**
